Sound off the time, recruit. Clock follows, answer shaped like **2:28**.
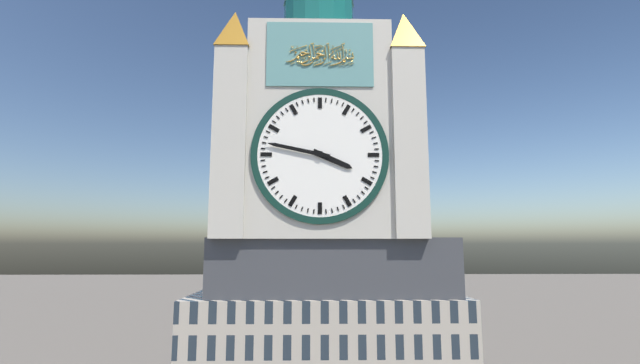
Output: **3:47**
